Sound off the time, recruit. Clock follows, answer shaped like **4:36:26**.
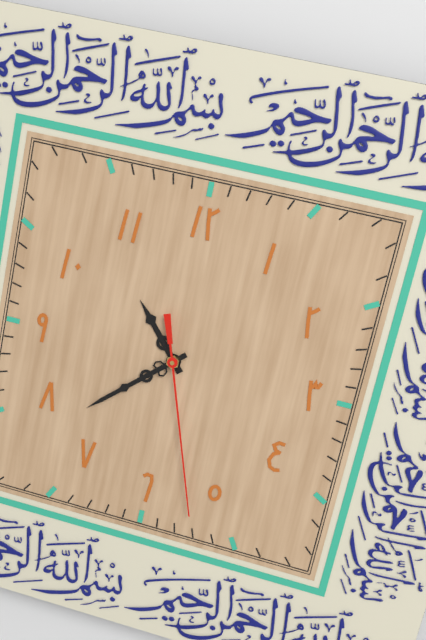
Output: **10:38:27**
